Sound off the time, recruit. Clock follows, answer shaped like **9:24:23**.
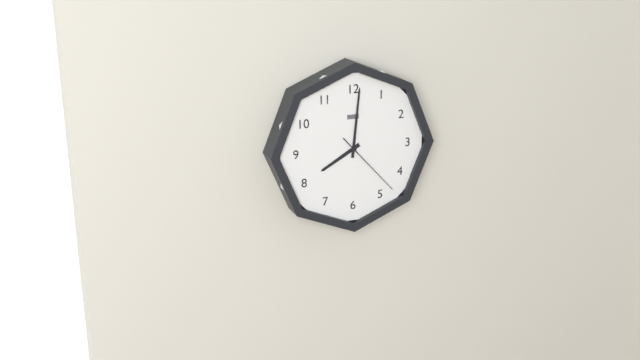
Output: **8:01:23**
